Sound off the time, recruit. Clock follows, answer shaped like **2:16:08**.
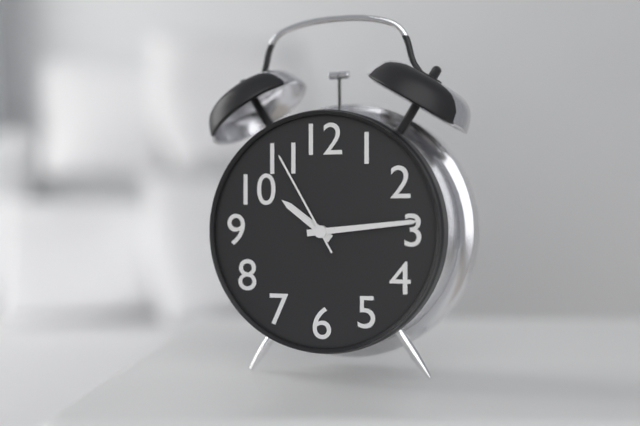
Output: **10:14:55**
